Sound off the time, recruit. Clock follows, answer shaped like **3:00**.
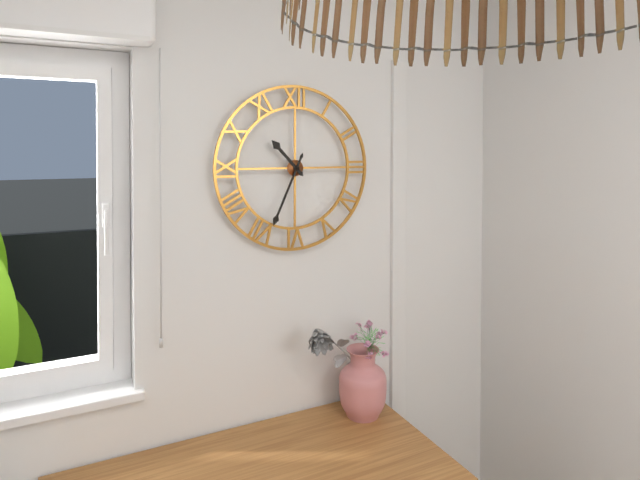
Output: **10:34**
